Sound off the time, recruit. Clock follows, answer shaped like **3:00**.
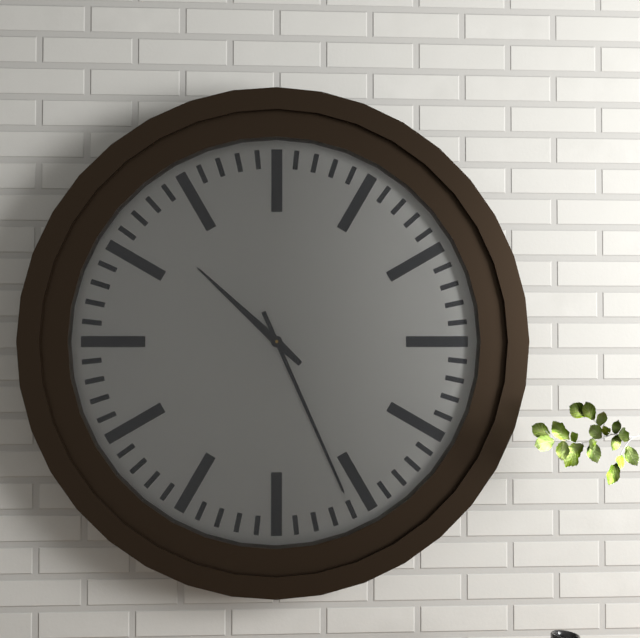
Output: **10:26**
